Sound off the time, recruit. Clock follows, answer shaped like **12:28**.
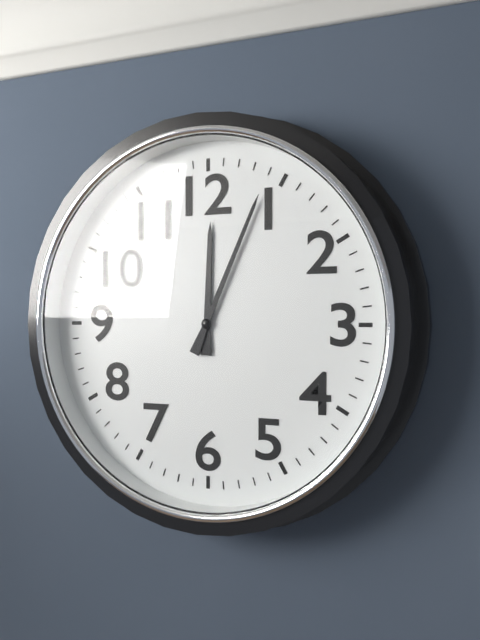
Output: **12:04**
